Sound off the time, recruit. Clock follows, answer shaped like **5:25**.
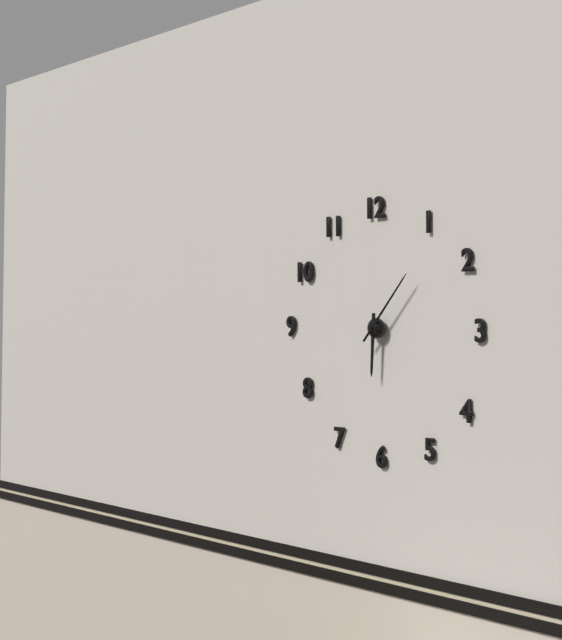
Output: **6:07**
